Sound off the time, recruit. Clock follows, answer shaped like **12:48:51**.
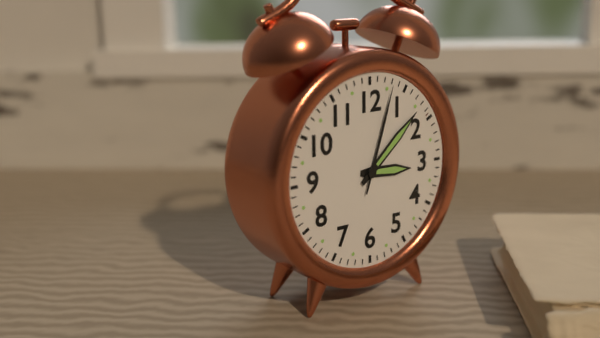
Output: **3:08:03**
